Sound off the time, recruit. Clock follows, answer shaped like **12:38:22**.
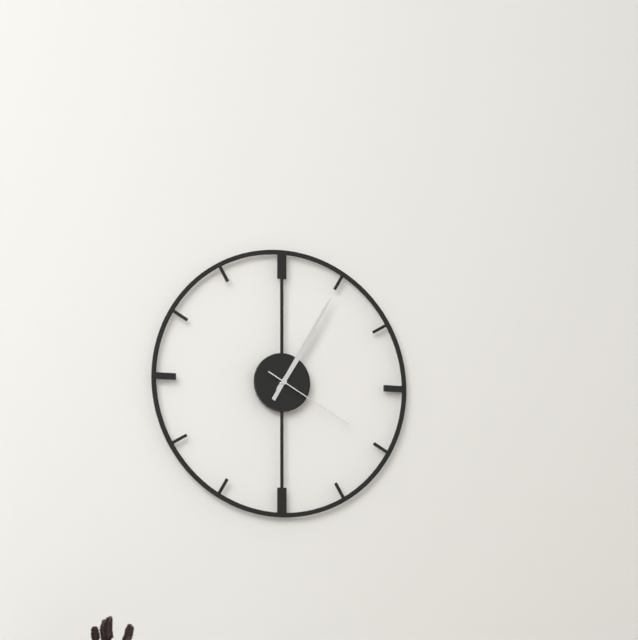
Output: **1:05:20**
